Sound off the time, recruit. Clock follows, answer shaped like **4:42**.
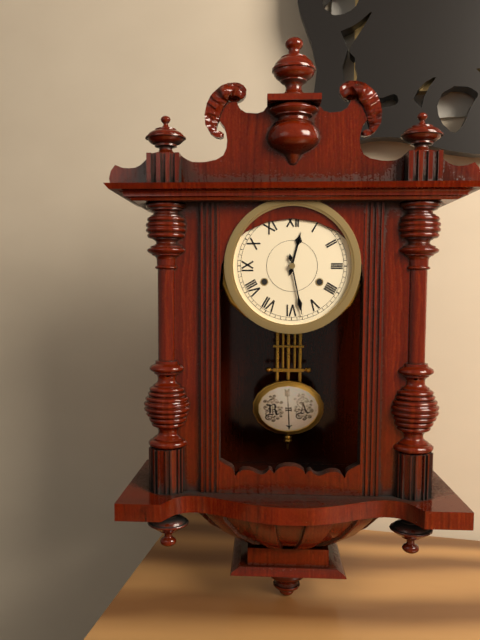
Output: **12:28**
